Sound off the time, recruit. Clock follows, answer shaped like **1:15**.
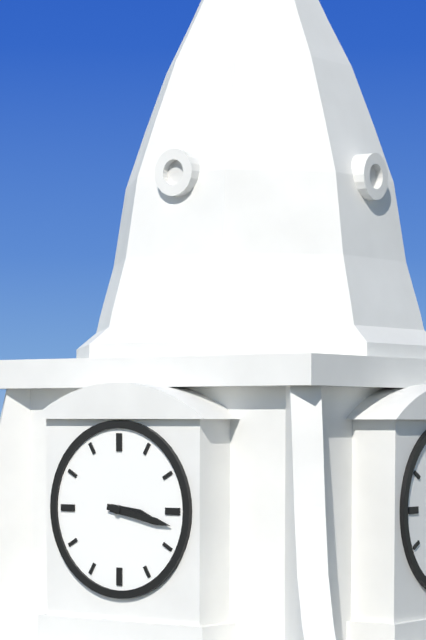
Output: **3:17**
